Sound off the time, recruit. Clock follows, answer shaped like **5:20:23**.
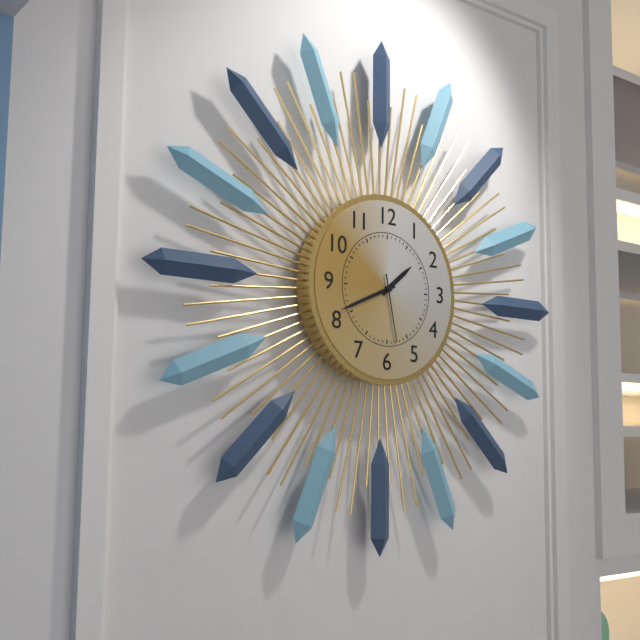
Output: **1:41:28**
